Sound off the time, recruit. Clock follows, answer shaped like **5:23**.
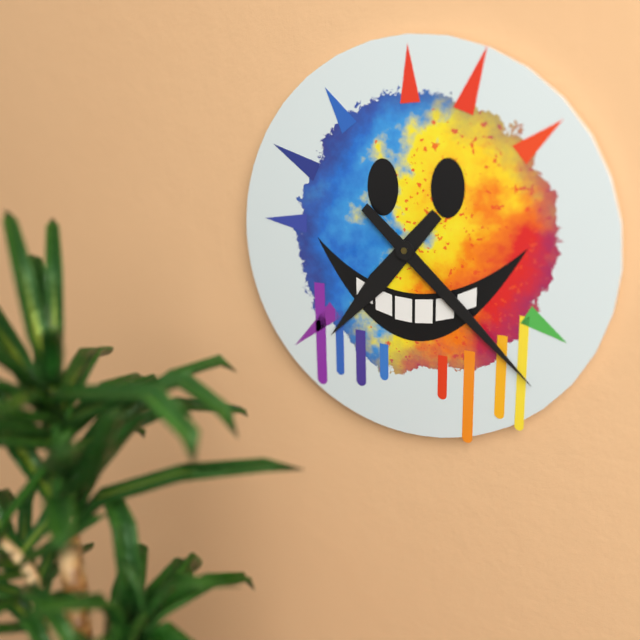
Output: **7:22**
